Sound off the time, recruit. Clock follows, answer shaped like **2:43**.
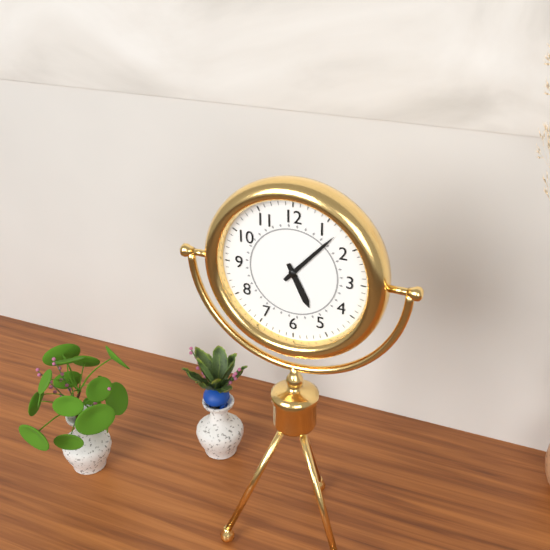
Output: **5:07**
